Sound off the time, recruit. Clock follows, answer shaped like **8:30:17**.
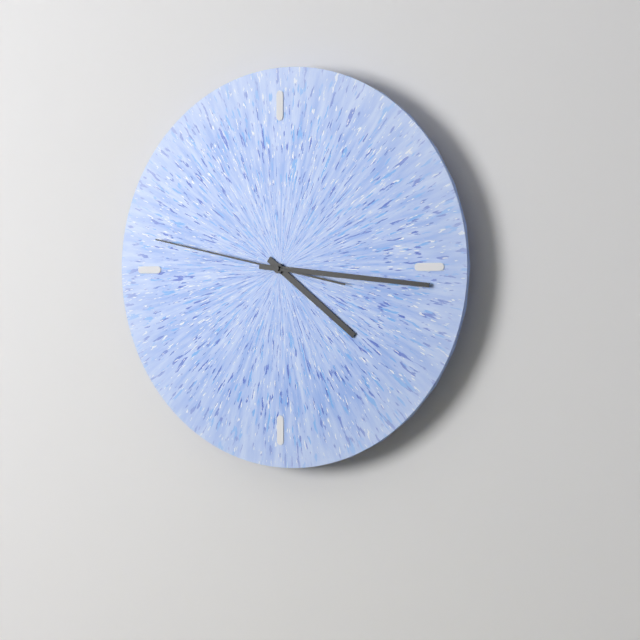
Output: **4:16:47**
